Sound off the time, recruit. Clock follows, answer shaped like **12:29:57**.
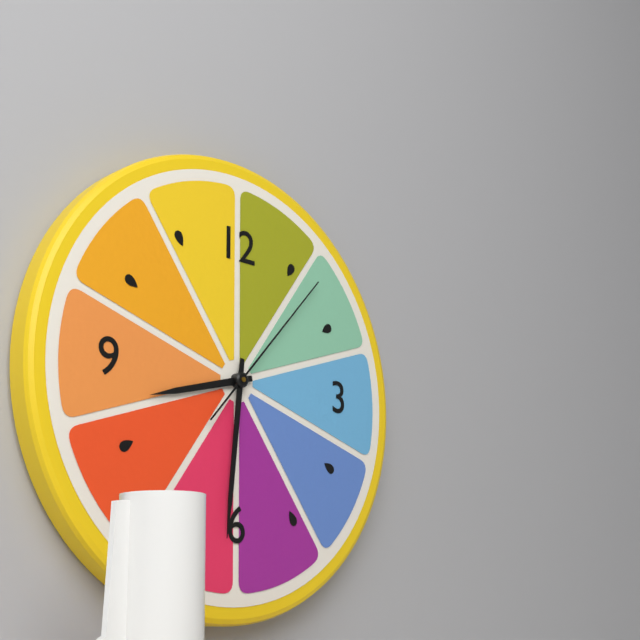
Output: **8:31:07**
